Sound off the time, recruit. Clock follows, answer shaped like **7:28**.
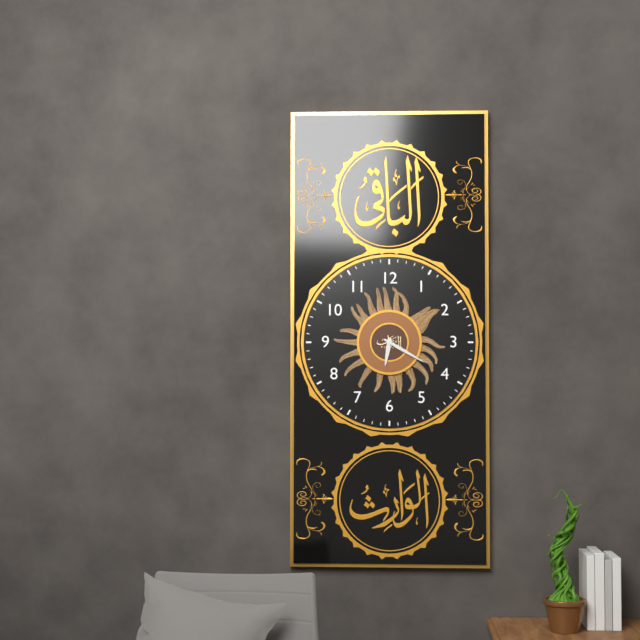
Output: **6:20**
